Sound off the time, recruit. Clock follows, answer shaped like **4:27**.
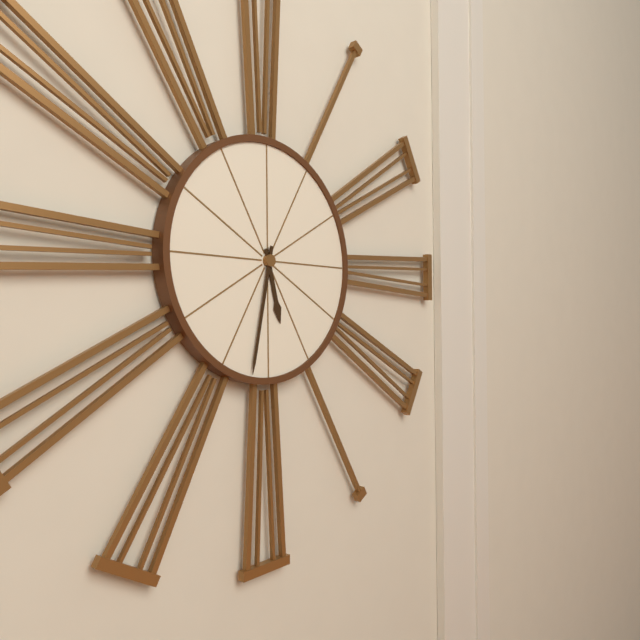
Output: **5:32**
